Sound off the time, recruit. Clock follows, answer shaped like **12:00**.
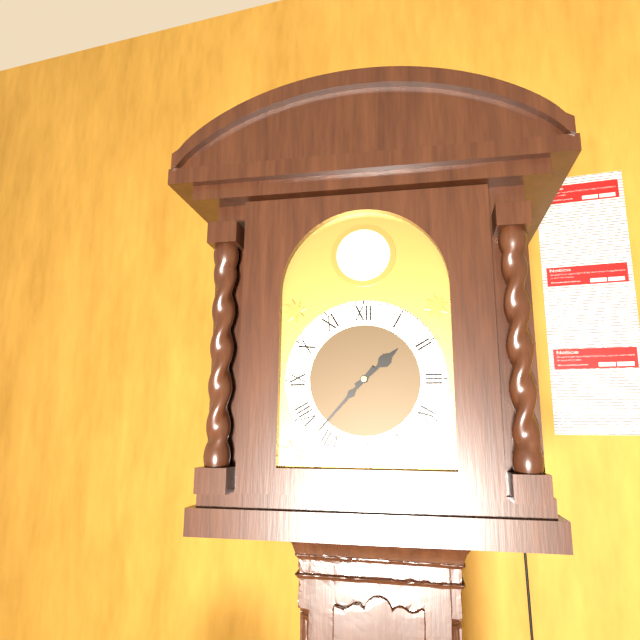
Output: **1:37**
